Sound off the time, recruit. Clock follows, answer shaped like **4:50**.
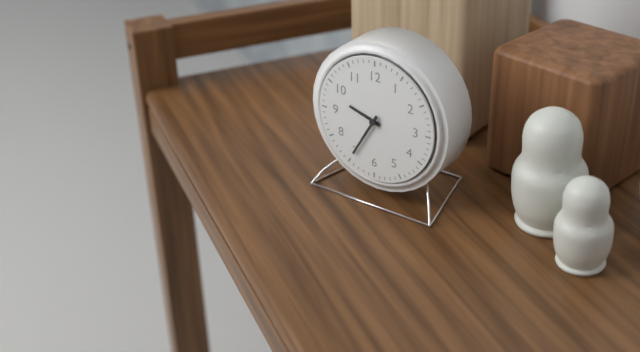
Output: **9:35**
